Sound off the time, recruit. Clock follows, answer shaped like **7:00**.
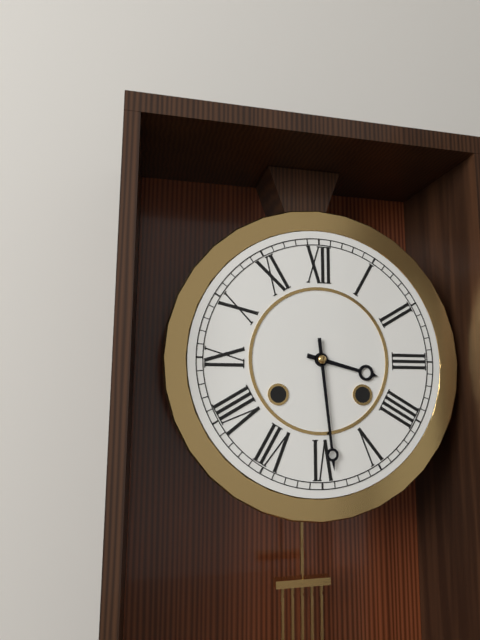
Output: **3:29**
